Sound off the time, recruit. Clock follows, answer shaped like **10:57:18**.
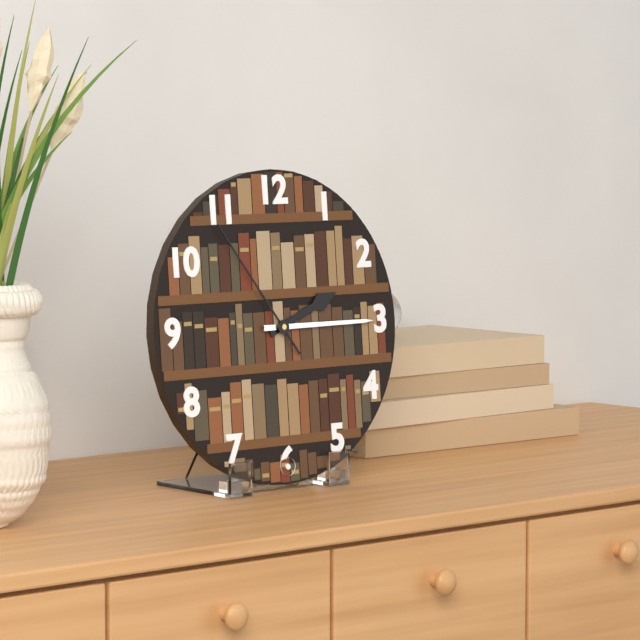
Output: **2:15:54**
